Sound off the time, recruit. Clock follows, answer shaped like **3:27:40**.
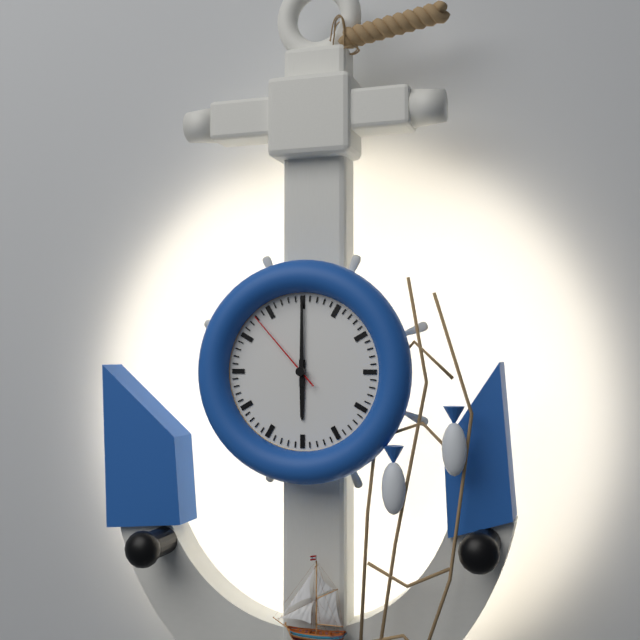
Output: **6:00:53**
